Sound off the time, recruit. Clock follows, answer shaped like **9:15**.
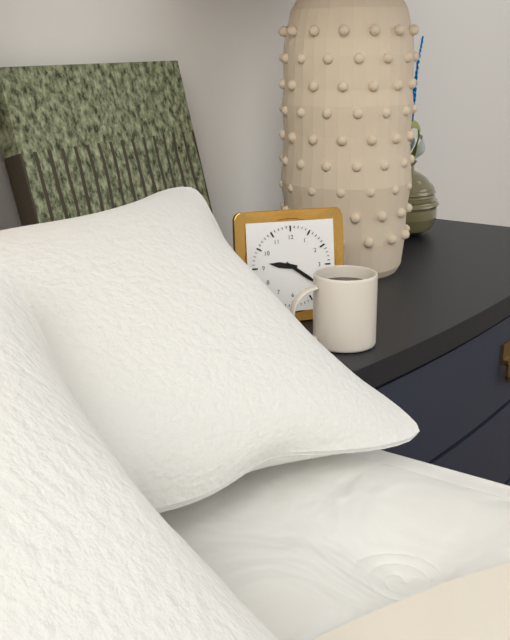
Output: **9:21**
